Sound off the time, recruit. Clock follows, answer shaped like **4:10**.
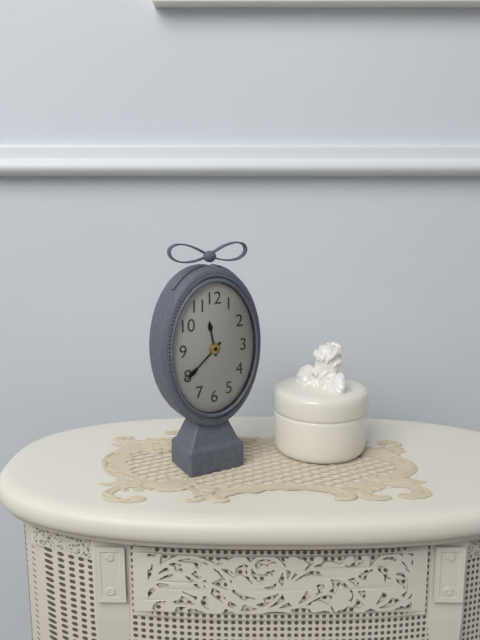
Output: **11:38**
